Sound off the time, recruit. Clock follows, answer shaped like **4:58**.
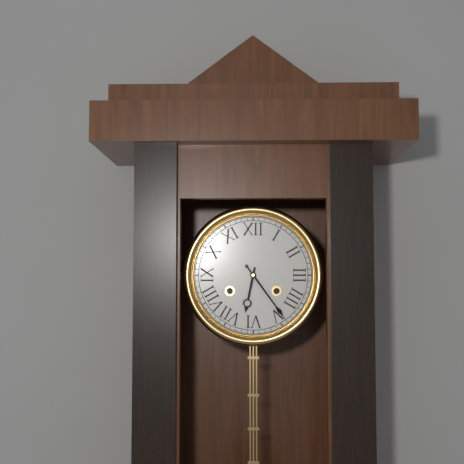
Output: **6:24**
